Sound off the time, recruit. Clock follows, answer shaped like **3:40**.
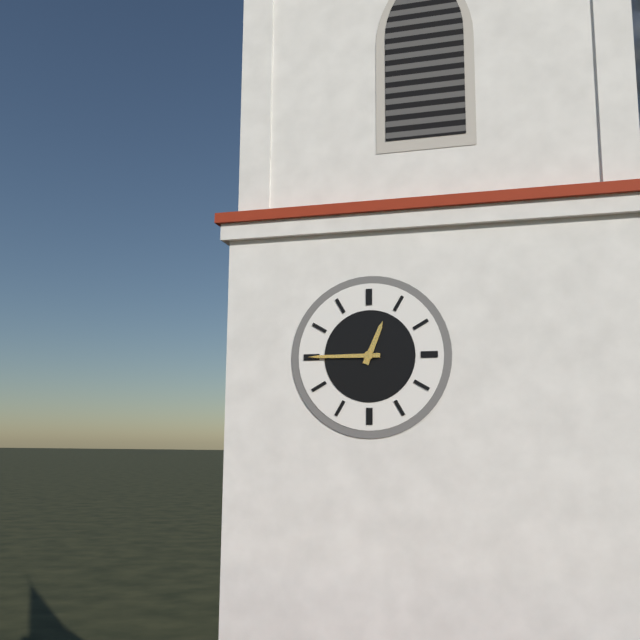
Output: **12:45**
